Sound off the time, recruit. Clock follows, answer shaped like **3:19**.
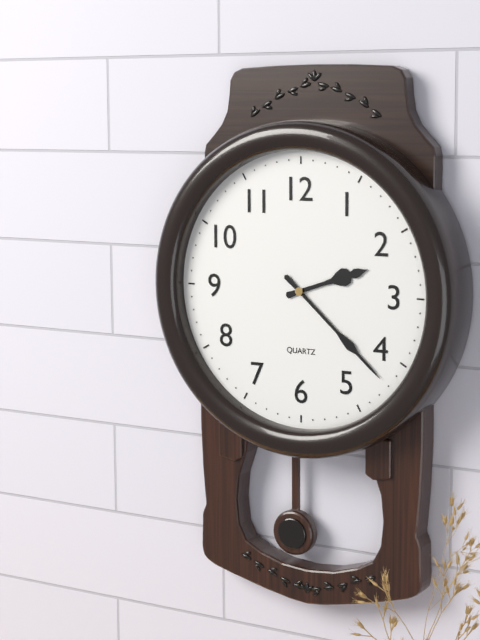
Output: **2:22**
